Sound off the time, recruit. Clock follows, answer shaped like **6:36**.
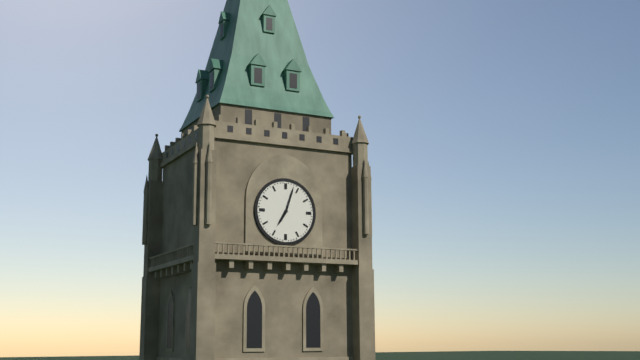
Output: **7:03**
